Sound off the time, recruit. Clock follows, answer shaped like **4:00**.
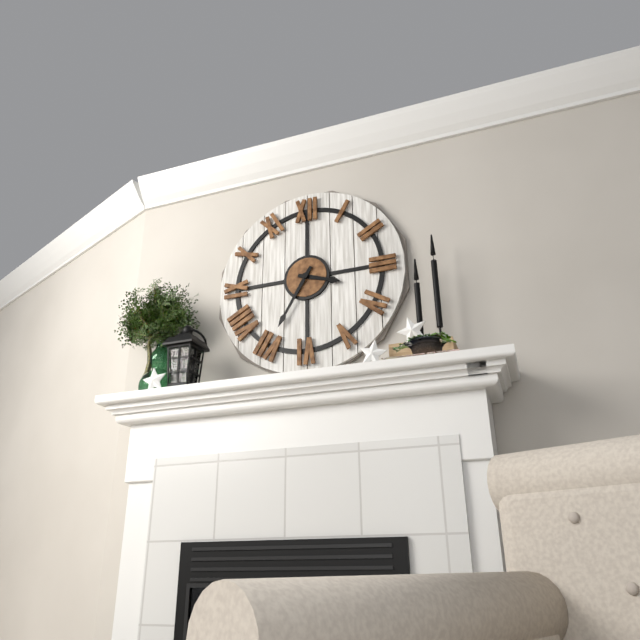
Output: **3:35**
